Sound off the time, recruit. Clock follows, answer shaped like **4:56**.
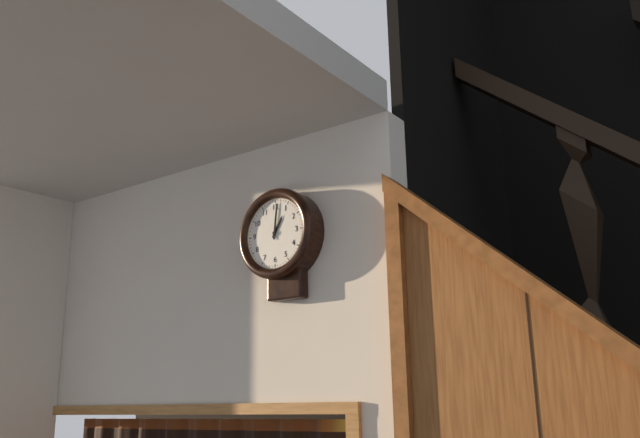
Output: **1:01**
